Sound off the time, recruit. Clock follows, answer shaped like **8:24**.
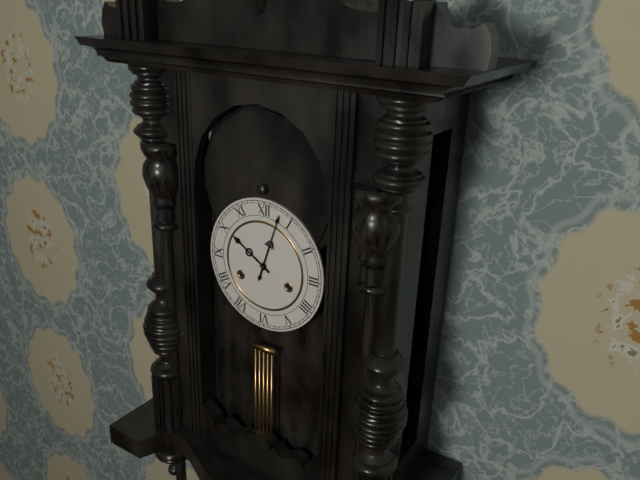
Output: **10:03**
